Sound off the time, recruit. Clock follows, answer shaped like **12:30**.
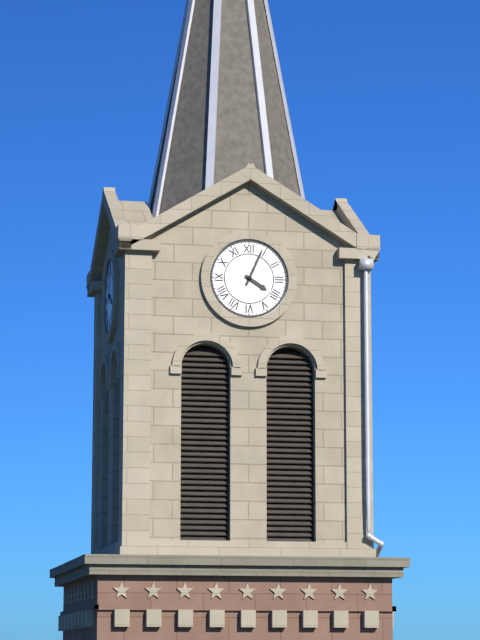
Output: **4:04**
